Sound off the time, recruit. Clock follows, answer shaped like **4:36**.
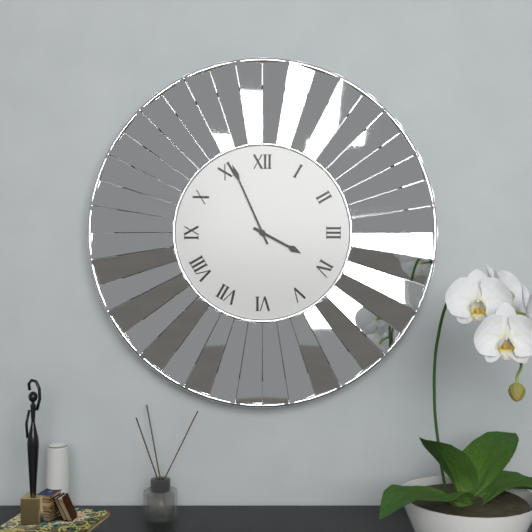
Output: **3:56**
